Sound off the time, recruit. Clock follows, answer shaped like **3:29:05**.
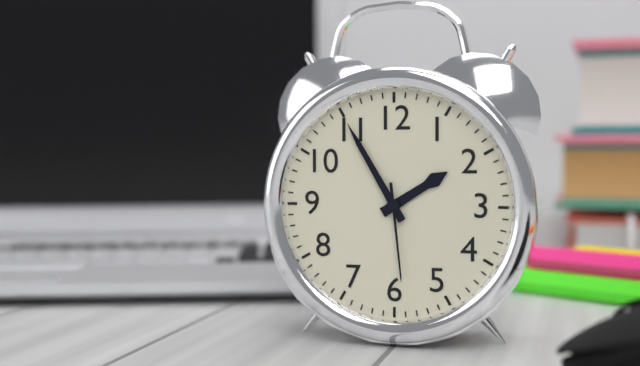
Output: **1:55:29**
